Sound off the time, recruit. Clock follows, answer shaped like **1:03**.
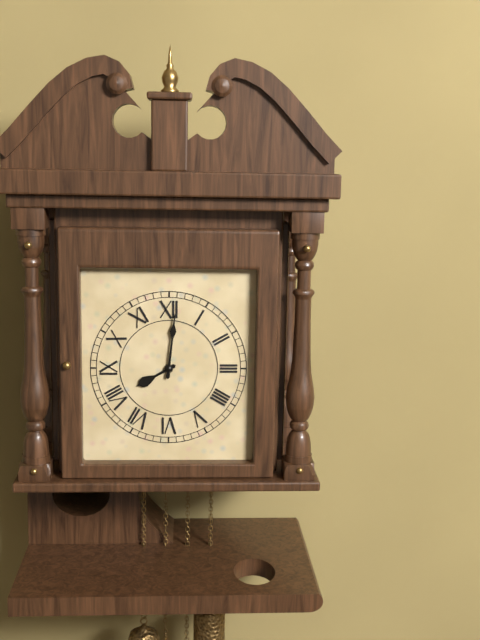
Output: **8:01**
